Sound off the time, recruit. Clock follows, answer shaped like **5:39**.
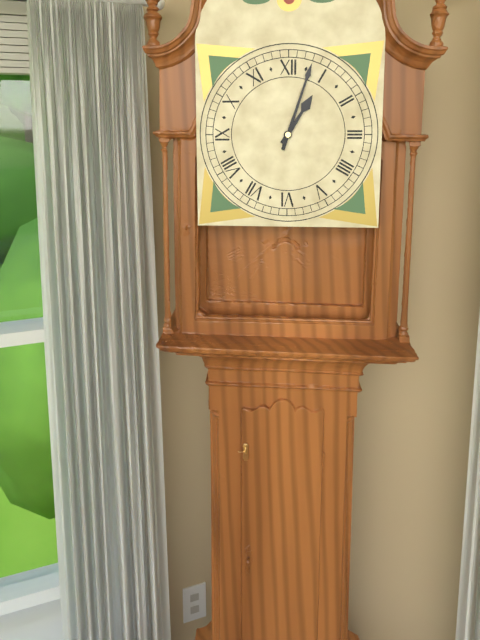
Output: **1:03**
